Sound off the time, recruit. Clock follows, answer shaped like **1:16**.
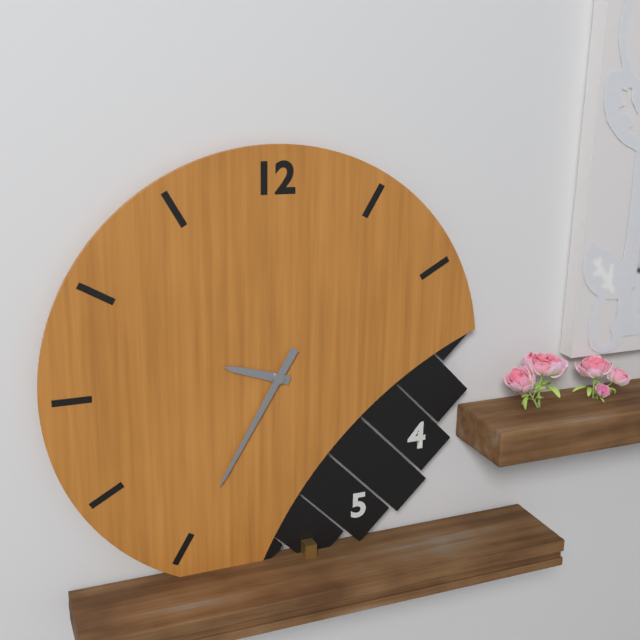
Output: **9:35**
